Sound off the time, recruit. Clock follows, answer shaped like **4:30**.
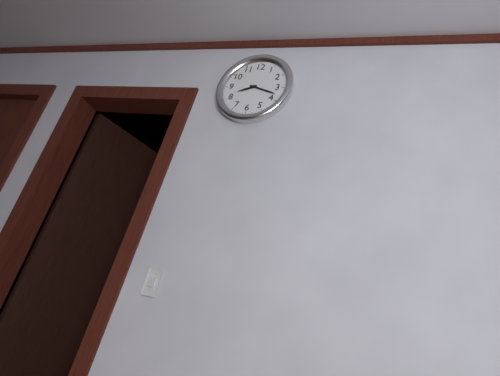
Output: **8:18**
